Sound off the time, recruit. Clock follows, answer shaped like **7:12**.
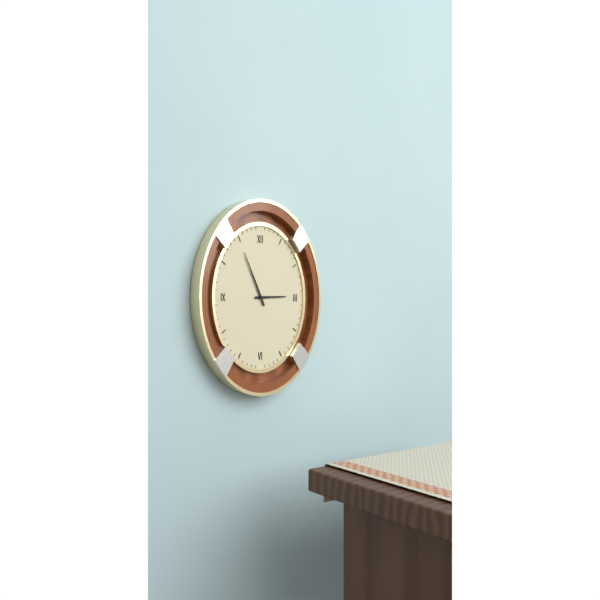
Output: **2:56**
